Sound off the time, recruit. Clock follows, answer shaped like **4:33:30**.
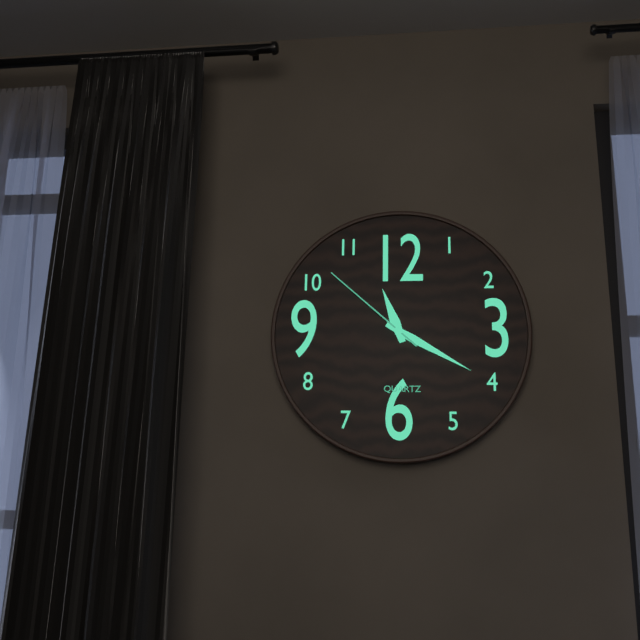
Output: **11:20:52**
